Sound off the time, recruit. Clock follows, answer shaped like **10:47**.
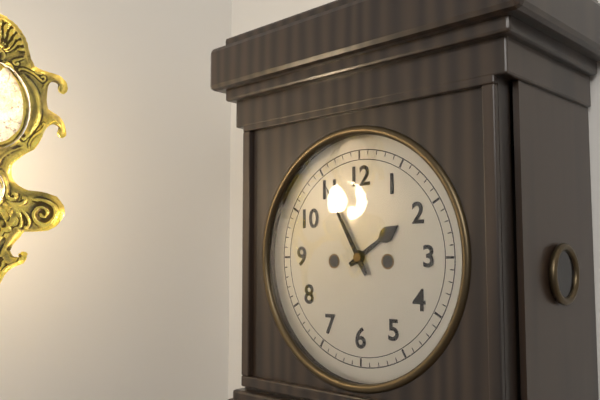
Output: **1:55**
